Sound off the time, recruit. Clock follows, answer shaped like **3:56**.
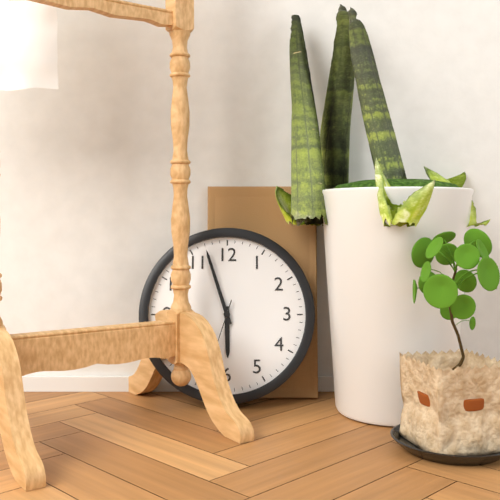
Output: **5:57**
